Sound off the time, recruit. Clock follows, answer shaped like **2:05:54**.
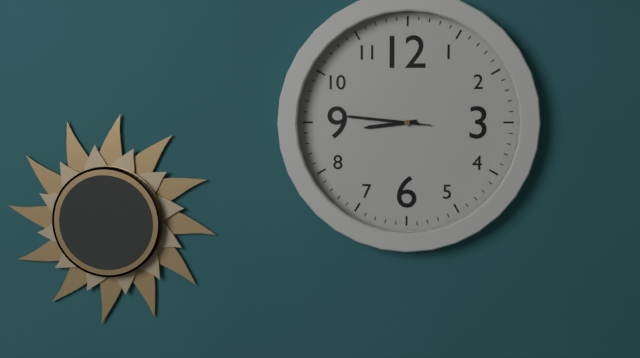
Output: **8:46:46**
